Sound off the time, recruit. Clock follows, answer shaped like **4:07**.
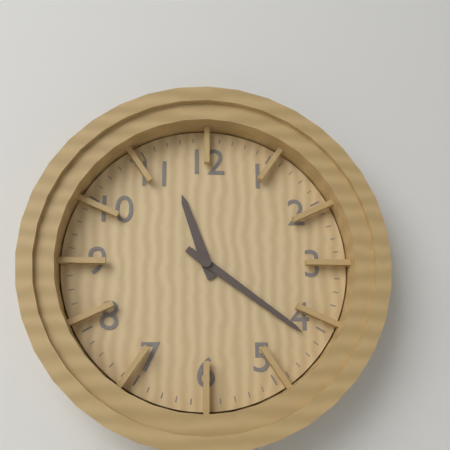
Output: **11:21**
